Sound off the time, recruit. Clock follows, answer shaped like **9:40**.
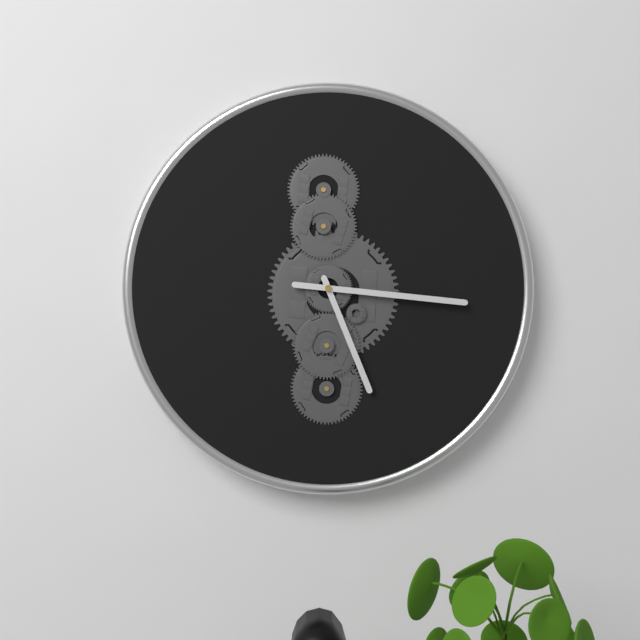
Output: **5:16**
